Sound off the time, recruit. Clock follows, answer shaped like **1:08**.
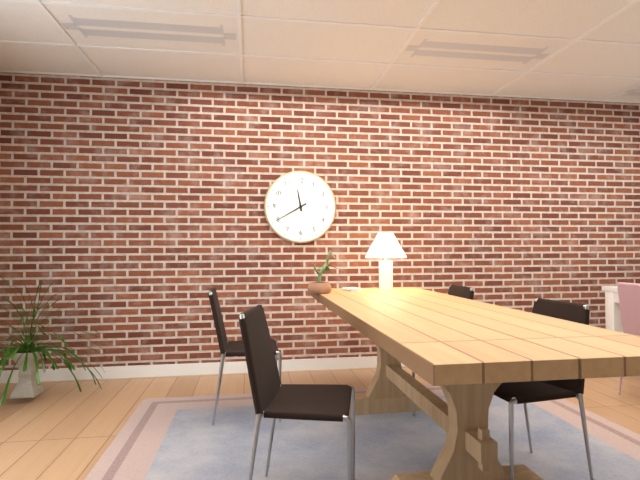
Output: **11:40**
